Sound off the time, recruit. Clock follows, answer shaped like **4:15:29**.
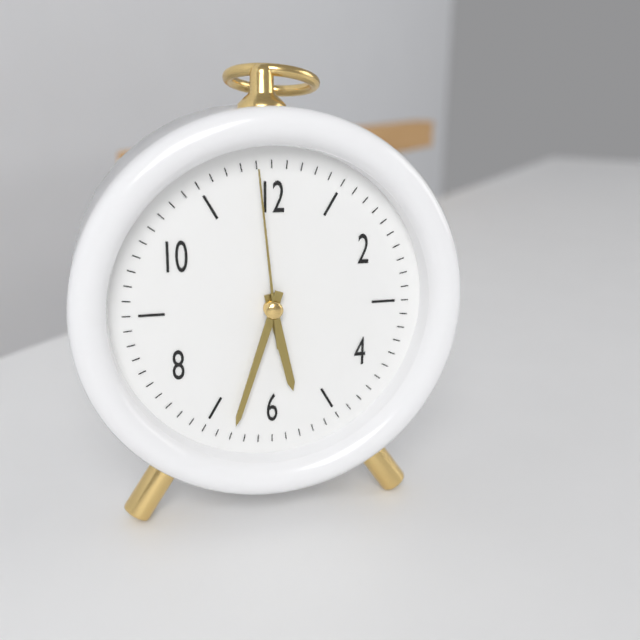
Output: **5:33:59**
